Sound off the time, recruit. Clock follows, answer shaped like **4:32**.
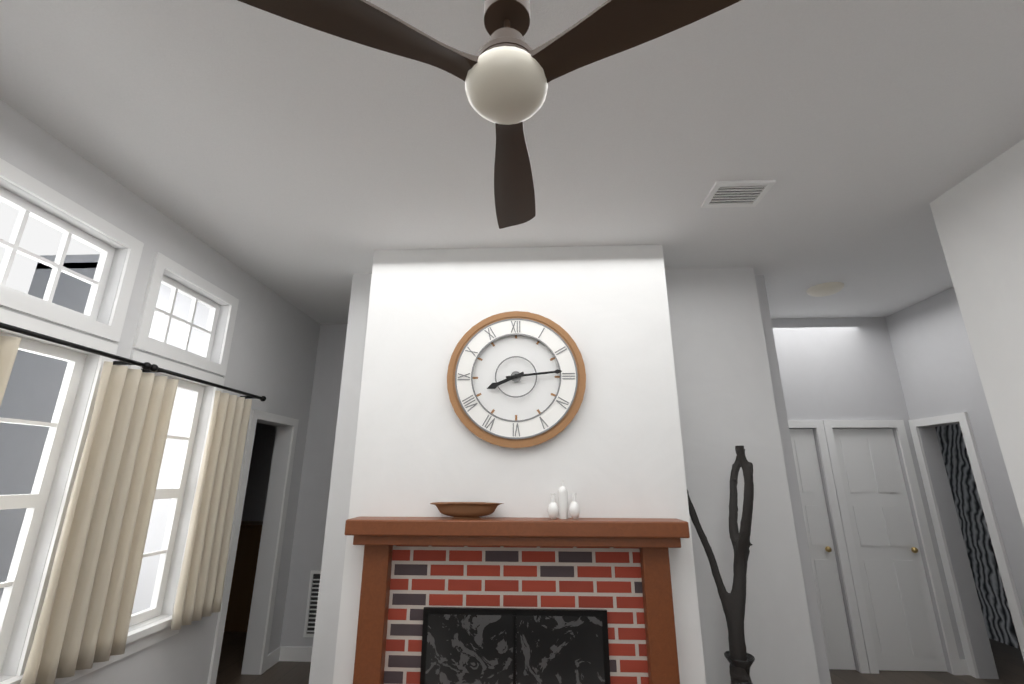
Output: **8:14**
